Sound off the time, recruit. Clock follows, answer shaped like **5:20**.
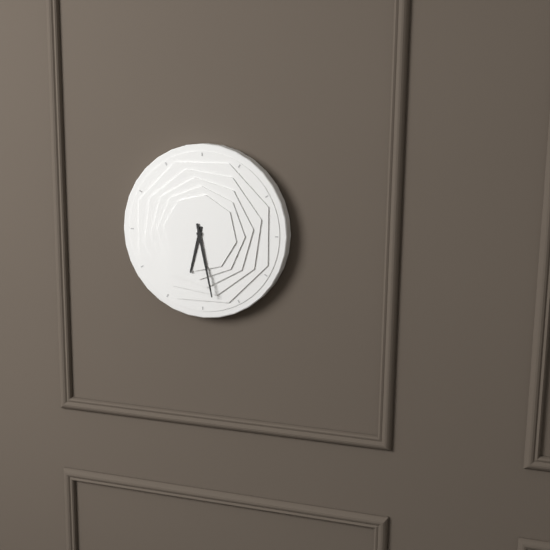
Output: **6:28**
